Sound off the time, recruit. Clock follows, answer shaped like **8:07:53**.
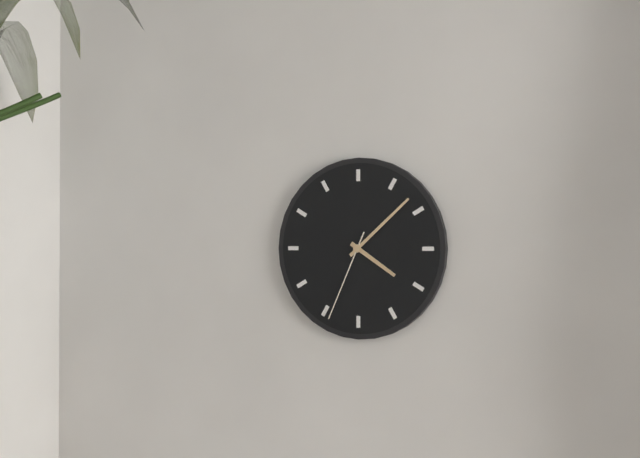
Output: **4:08:34**
